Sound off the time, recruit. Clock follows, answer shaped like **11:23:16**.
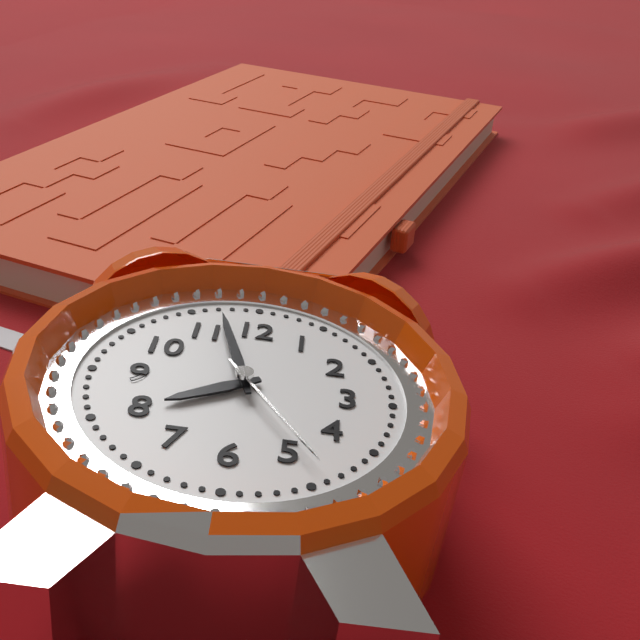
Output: **7:57:24**
